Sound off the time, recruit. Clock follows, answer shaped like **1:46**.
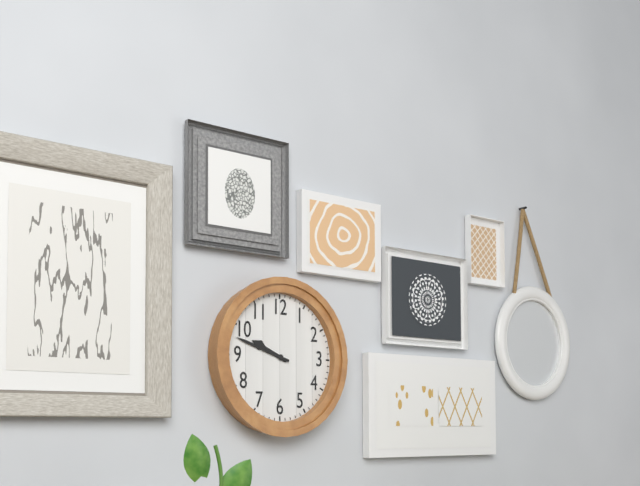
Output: **9:48**
